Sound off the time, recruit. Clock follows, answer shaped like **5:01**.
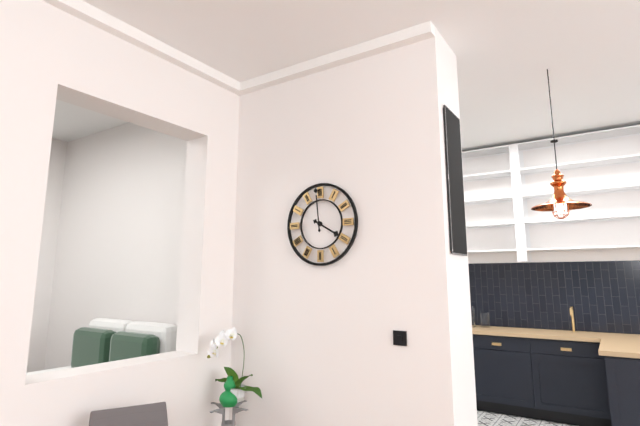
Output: **3:59**
